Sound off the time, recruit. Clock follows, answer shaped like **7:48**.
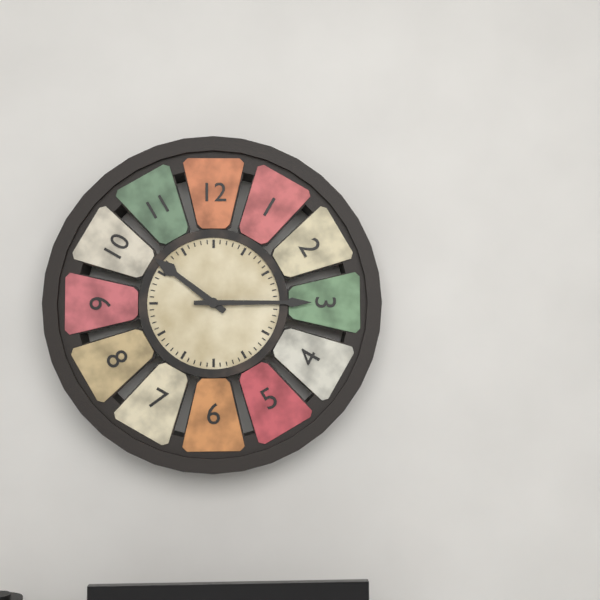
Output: **10:15**
